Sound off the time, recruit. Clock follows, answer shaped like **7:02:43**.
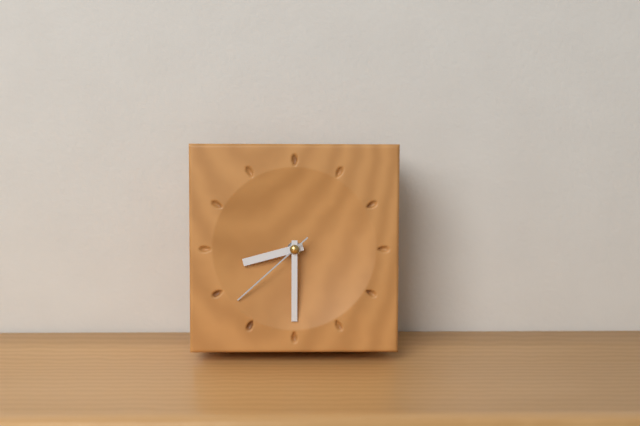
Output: **8:30:38**
